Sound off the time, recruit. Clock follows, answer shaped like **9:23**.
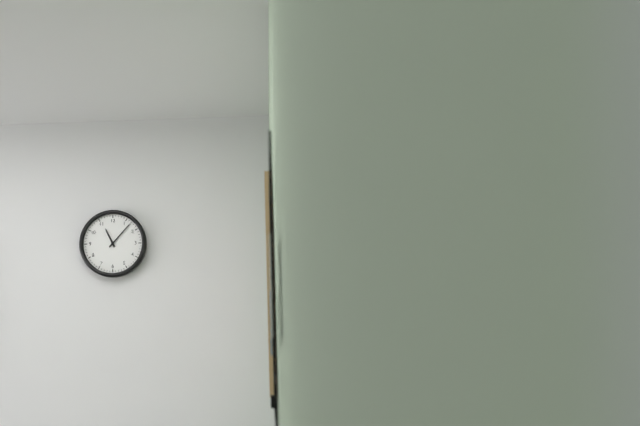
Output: **11:07**
